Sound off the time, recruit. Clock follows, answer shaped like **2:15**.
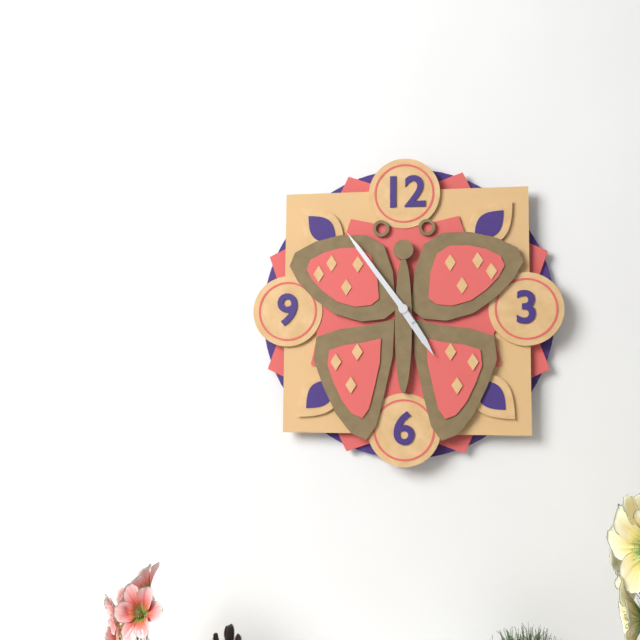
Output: **4:54**
